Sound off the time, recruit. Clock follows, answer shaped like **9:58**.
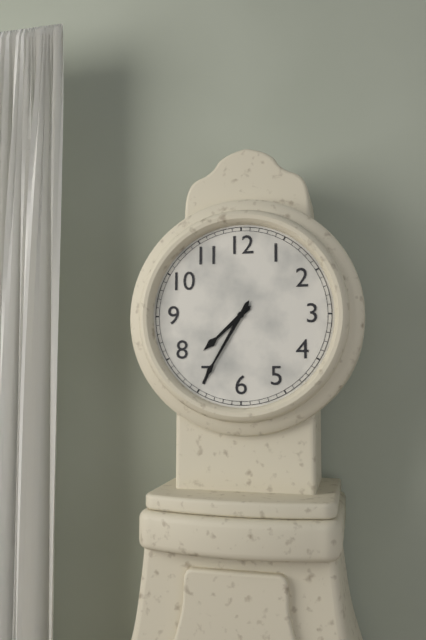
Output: **7:35**
